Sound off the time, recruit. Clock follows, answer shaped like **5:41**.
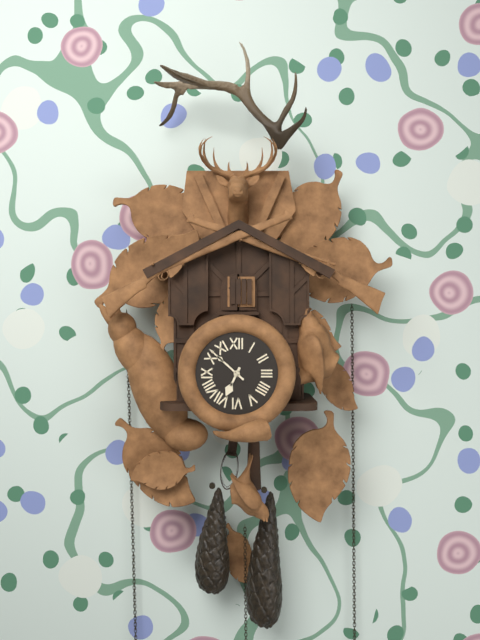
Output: **6:52**
